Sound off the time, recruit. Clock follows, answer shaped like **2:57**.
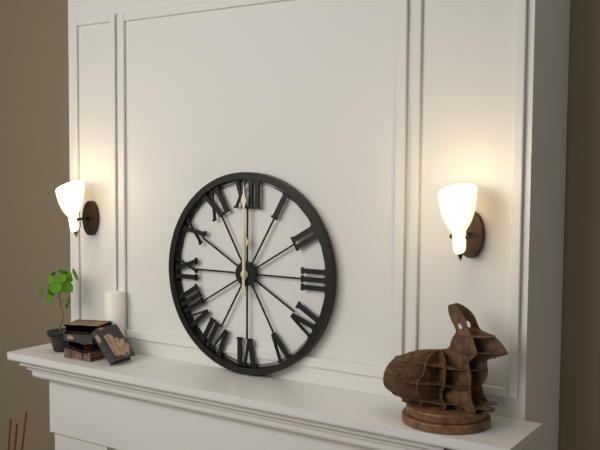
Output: **12:00**
